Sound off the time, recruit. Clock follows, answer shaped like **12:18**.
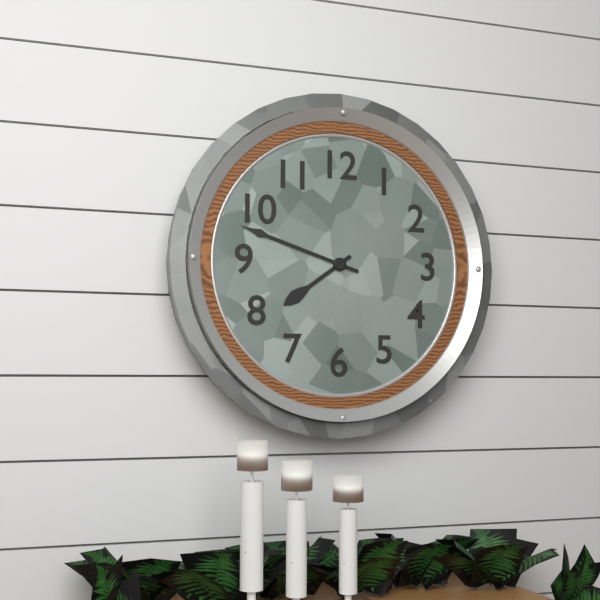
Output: **7:48**
